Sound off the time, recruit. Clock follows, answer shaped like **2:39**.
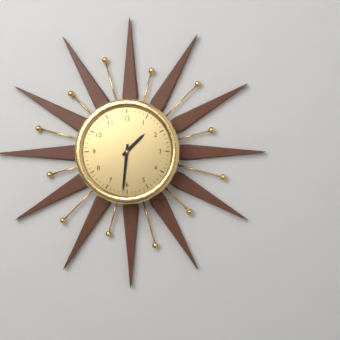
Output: **1:31**
